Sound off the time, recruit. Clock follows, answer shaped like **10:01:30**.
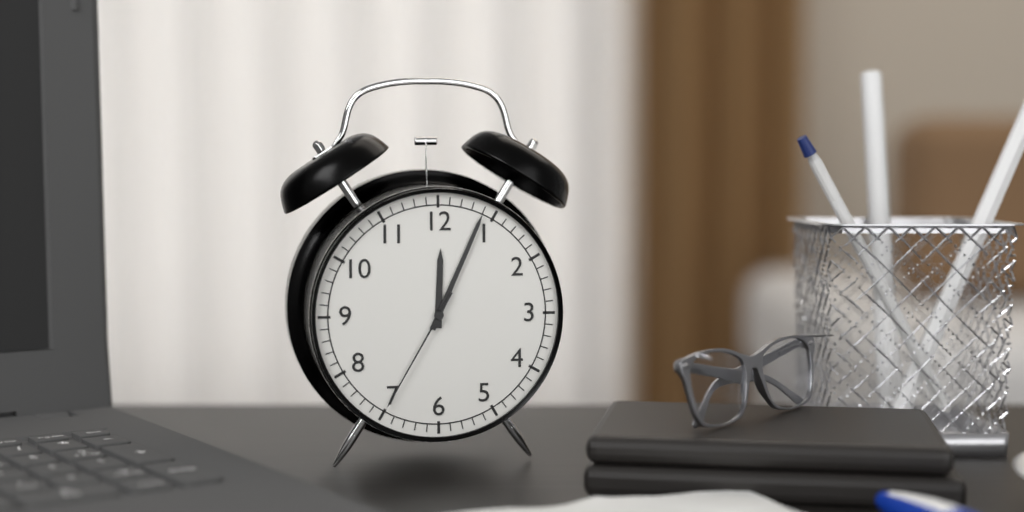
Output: **12:04:35**
